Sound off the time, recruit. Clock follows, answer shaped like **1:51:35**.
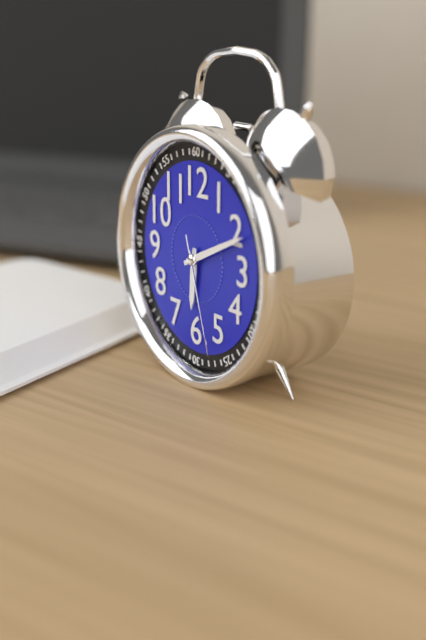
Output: **6:11:27**
